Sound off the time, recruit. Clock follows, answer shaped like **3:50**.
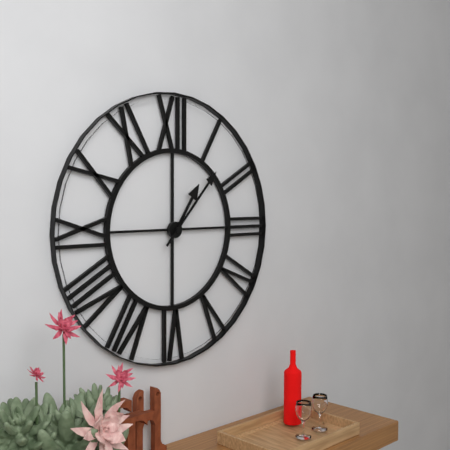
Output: **1:07**
